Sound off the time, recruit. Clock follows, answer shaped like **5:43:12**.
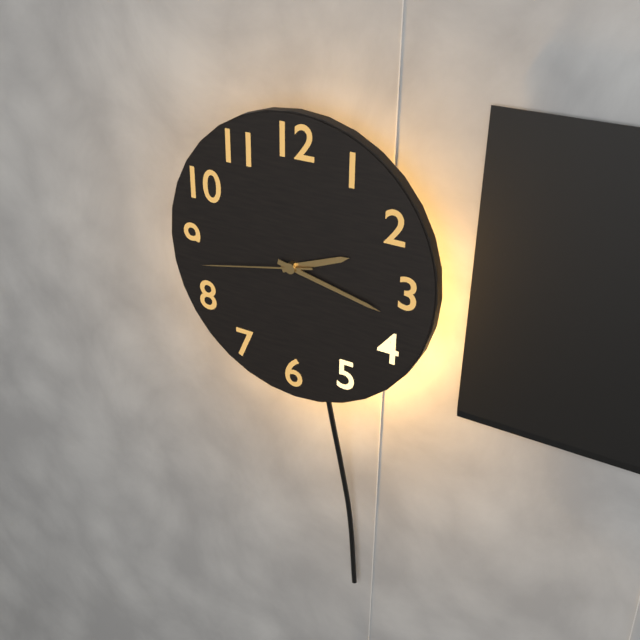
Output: **2:17:43**
